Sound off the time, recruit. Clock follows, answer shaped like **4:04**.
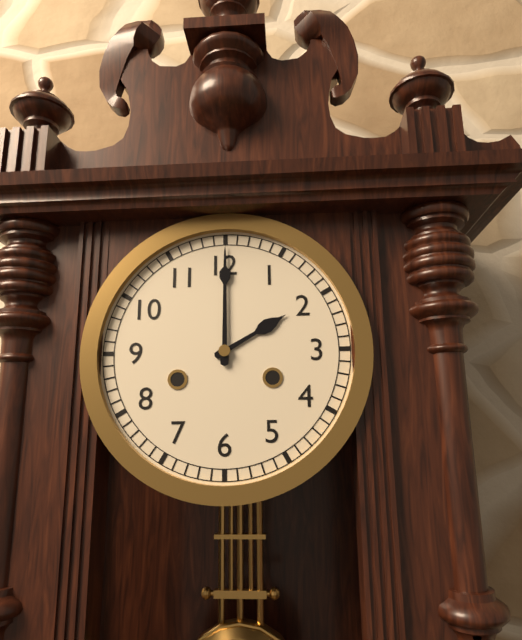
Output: **2:00**
